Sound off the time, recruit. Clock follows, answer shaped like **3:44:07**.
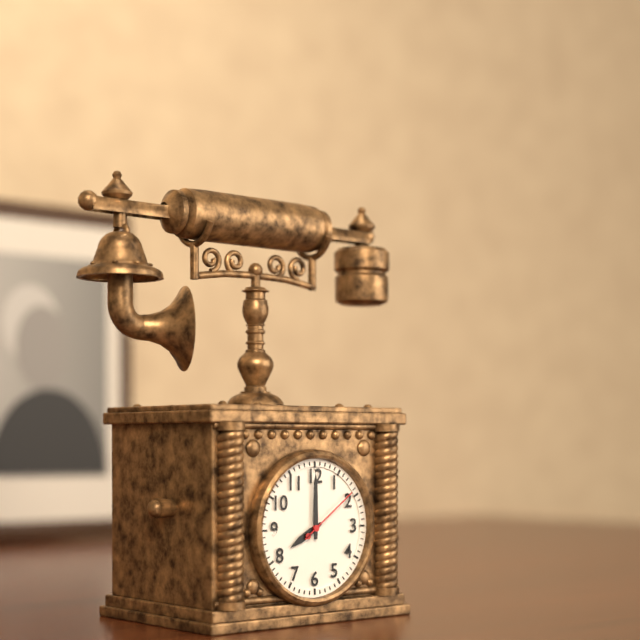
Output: **8:00:09**
